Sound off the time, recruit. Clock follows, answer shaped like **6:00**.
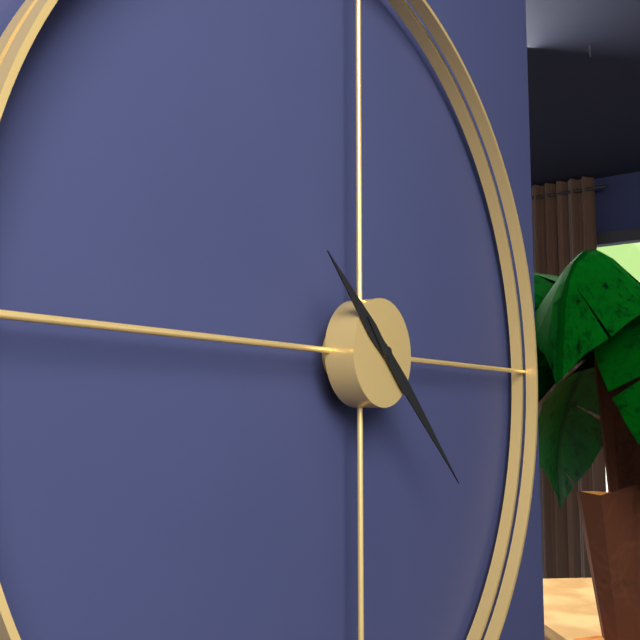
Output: **10:22**
